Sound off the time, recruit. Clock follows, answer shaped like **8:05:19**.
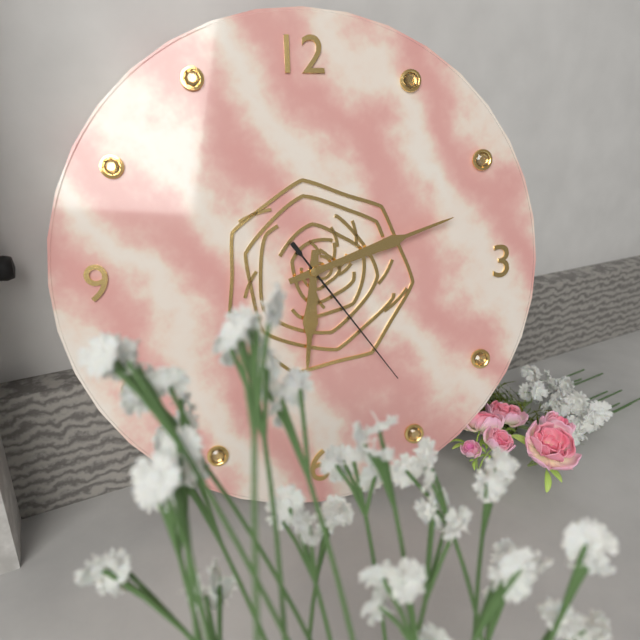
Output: **6:12:24**
